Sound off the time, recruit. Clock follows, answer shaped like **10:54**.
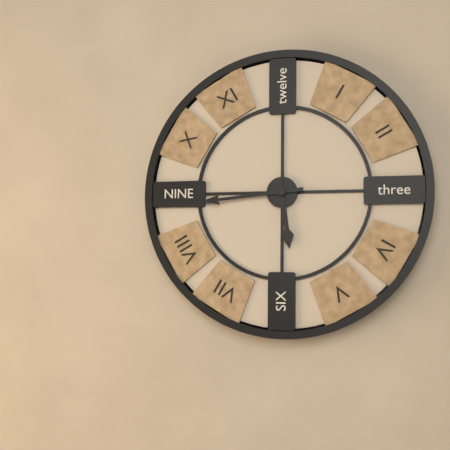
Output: **5:44**
